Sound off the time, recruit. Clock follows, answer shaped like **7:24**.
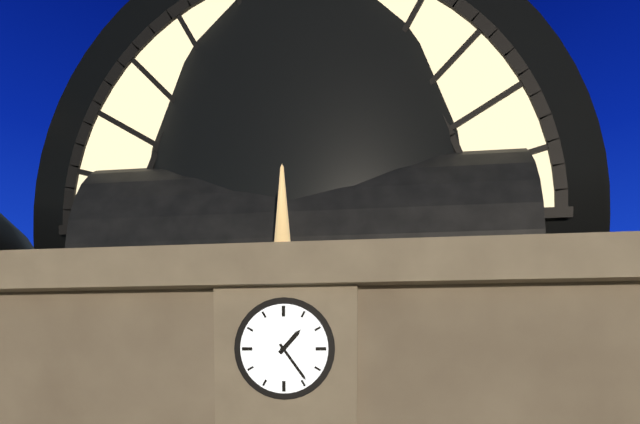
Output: **1:24**
